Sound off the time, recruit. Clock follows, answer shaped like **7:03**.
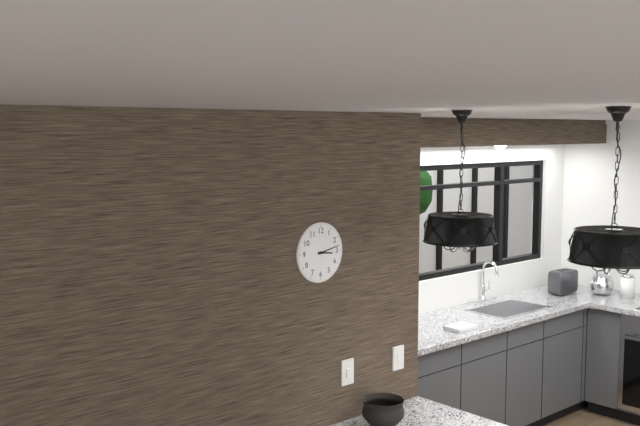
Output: **3:13**
